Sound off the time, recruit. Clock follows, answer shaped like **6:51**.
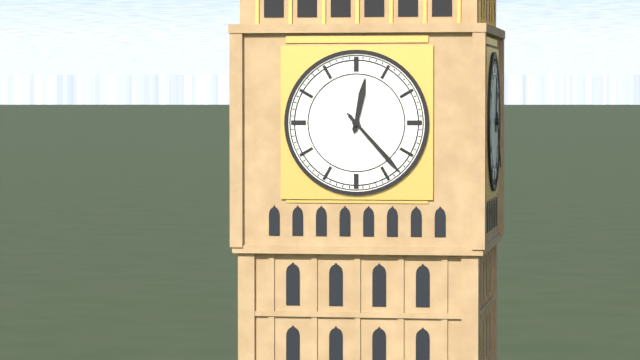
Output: **12:23**
